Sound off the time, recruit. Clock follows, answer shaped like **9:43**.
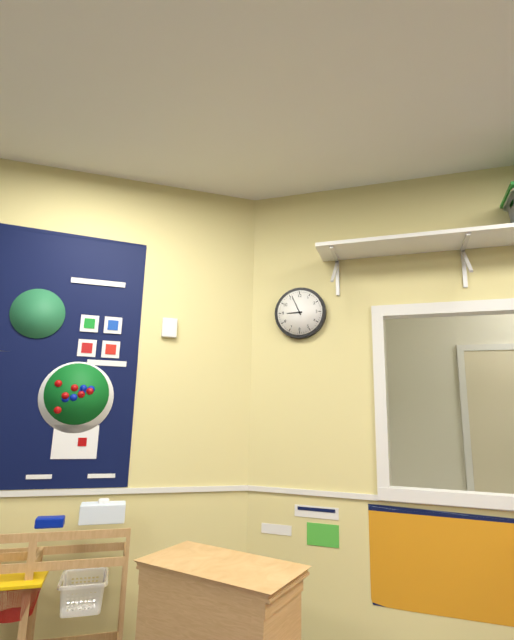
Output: **8:56**
